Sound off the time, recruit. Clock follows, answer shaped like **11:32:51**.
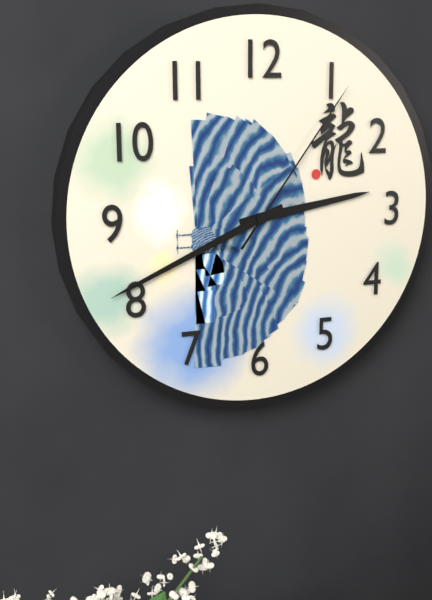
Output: **2:41:06**
